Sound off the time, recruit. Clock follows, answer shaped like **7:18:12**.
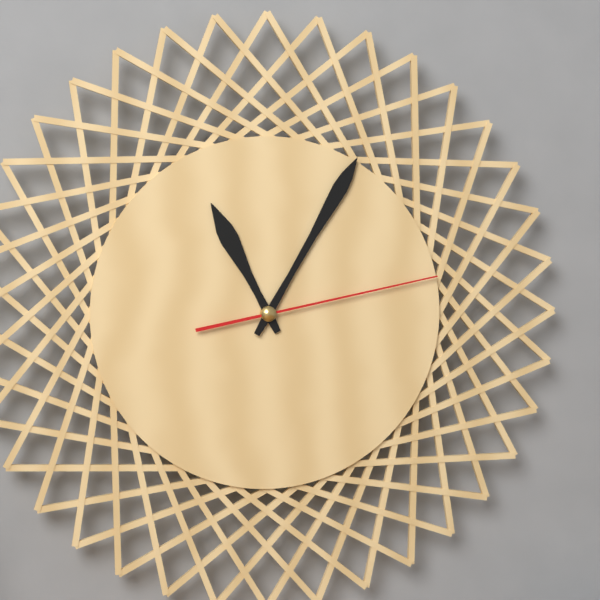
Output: **11:05:13**
